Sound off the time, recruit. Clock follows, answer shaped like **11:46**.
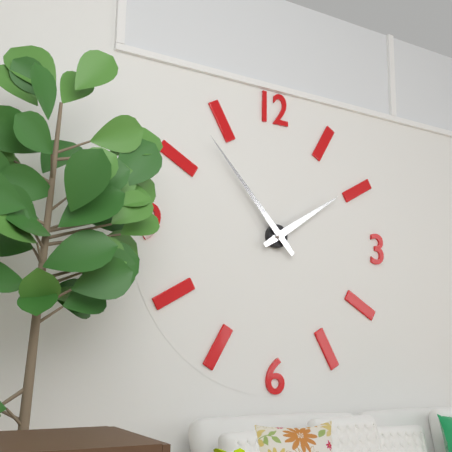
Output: **1:53**
